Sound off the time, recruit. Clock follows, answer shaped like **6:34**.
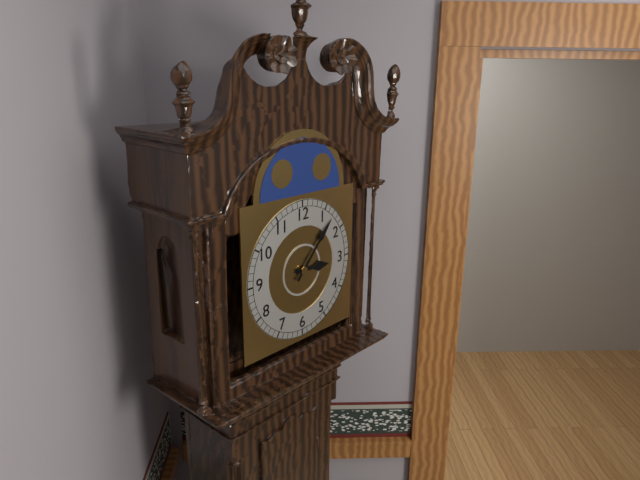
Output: **3:07**
